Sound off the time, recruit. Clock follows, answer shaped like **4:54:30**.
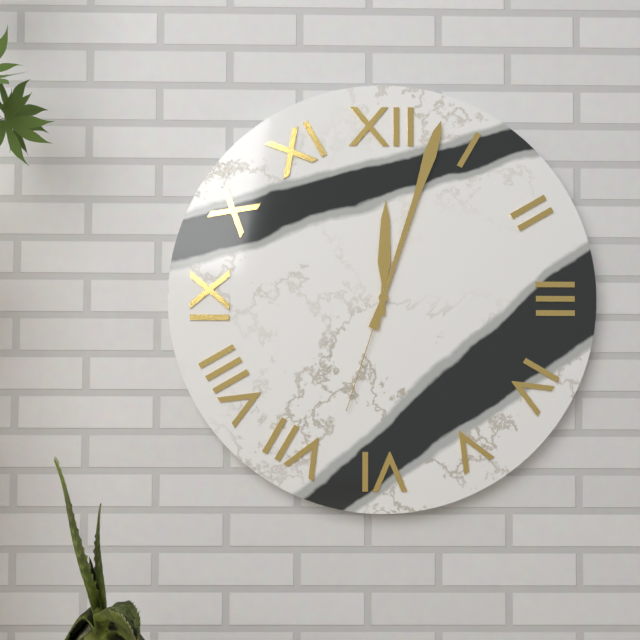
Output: **12:03:33**
